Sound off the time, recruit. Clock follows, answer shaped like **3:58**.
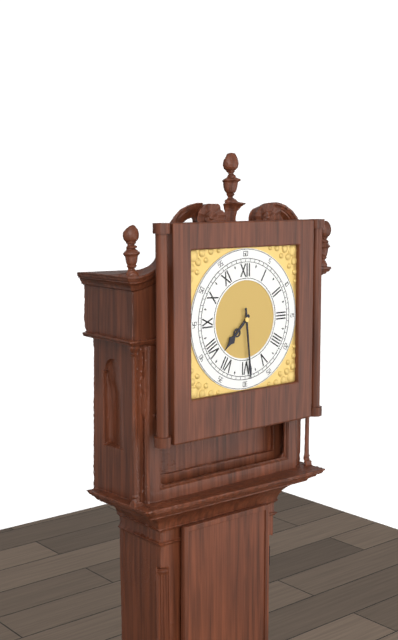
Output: **7:29**
